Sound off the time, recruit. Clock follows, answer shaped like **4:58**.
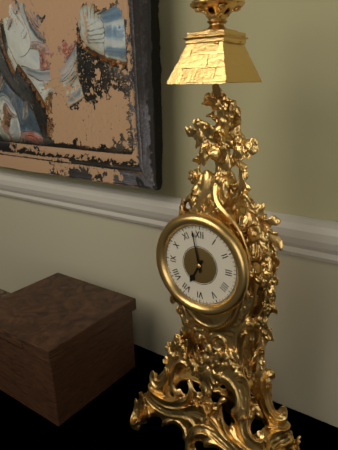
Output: **6:58**
